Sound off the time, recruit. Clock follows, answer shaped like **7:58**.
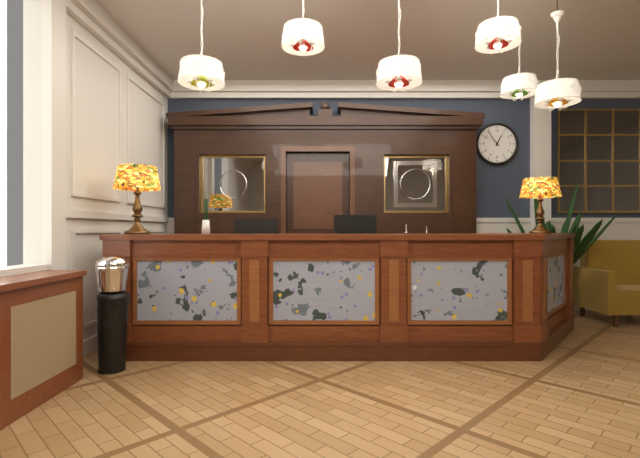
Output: **12:54**
